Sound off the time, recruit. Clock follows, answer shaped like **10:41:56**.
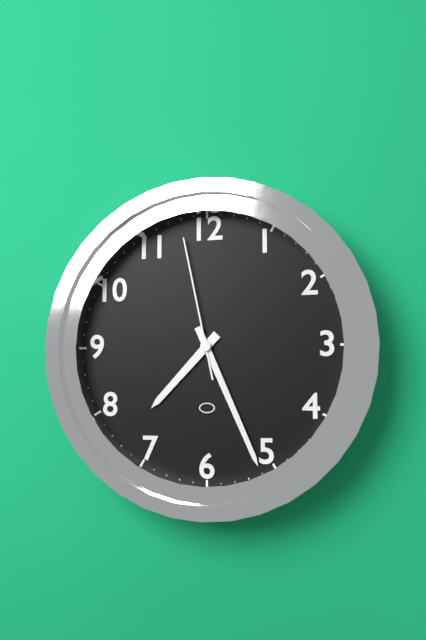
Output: **7:26:58**
